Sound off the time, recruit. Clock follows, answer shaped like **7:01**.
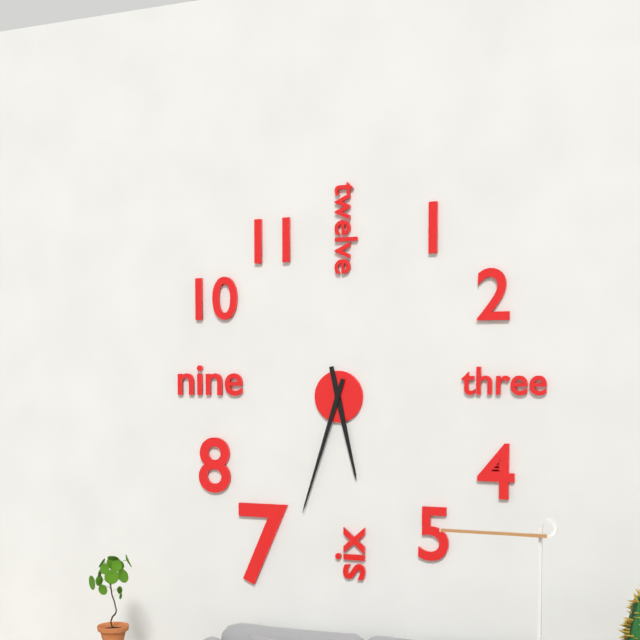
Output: **5:33**
